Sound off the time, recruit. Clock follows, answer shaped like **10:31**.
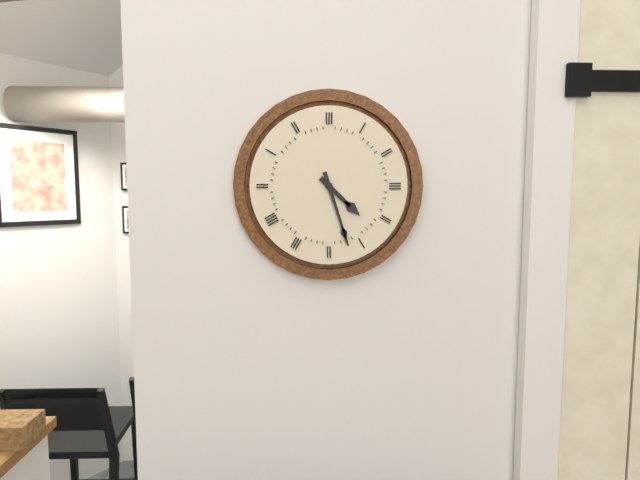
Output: **4:27**
